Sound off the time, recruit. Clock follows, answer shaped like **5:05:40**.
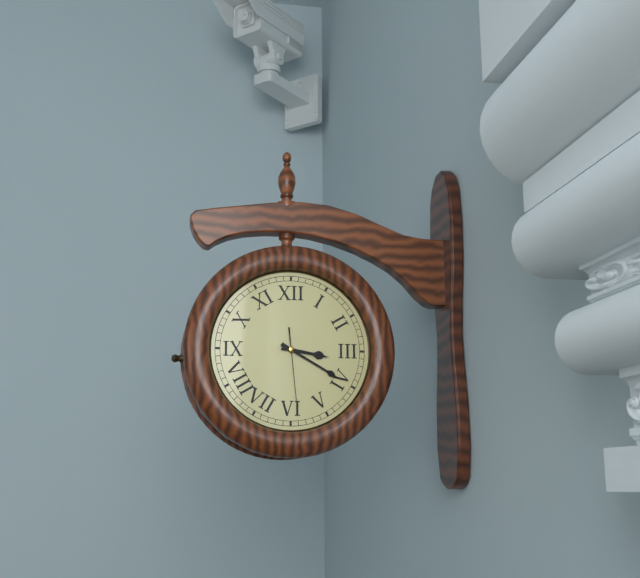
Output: **3:20:29**
